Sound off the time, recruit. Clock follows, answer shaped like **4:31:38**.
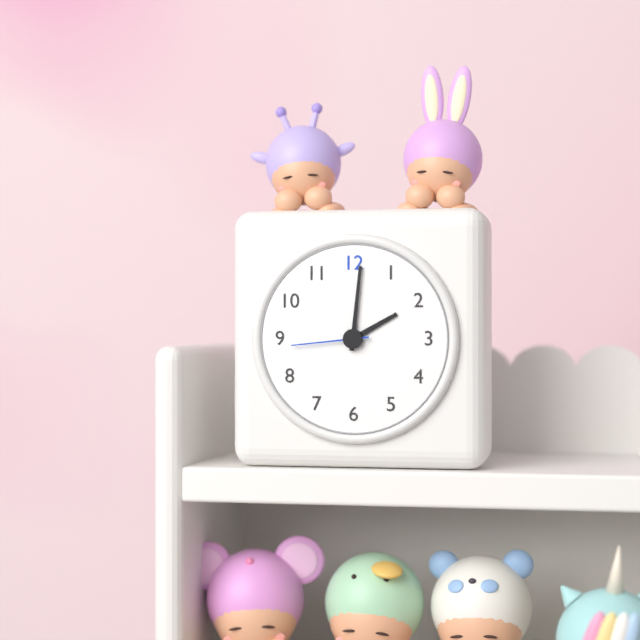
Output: **2:01:44**
